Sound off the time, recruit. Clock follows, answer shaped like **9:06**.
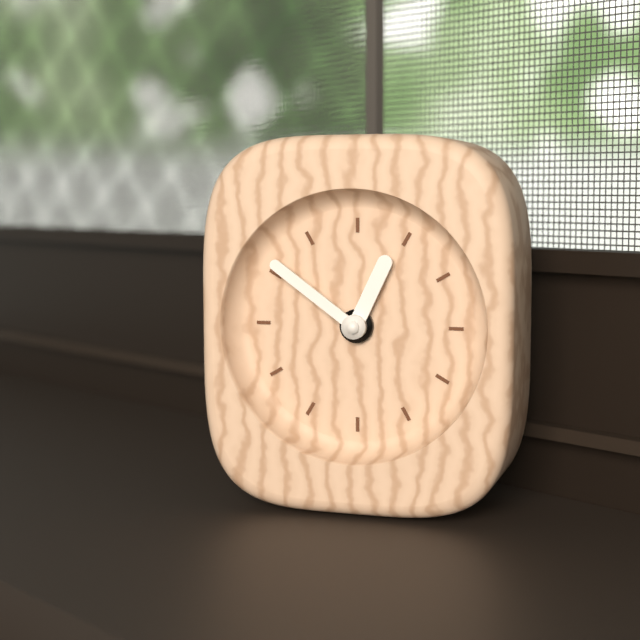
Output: **12:51**
